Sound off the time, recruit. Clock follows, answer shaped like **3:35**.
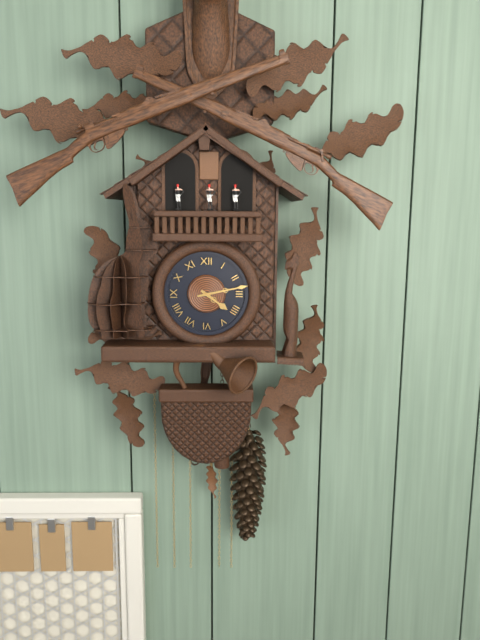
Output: **4:13**
